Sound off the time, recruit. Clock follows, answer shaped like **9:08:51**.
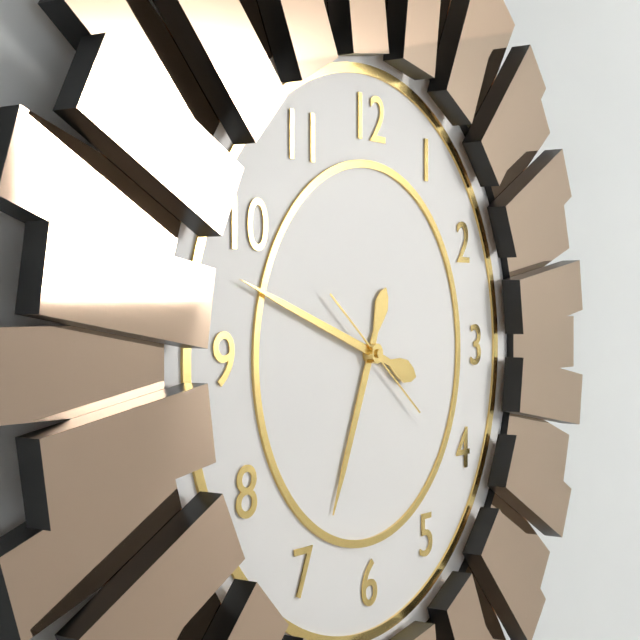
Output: **6:48:21**
